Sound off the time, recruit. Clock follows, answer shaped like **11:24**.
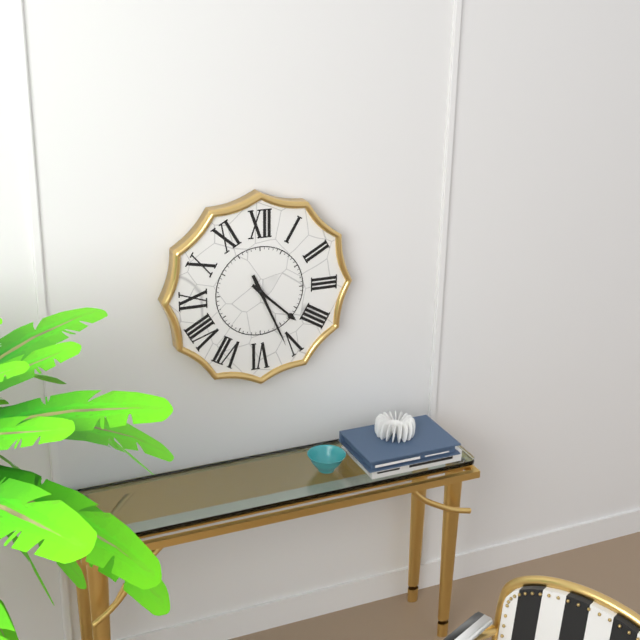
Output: **4:26**
